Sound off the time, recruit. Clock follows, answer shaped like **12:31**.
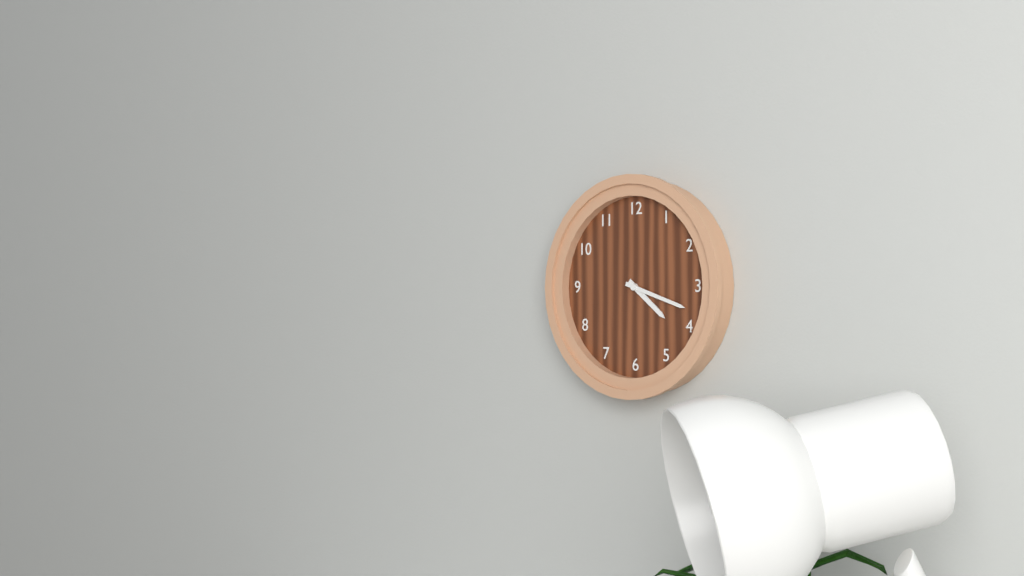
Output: **4:18**
